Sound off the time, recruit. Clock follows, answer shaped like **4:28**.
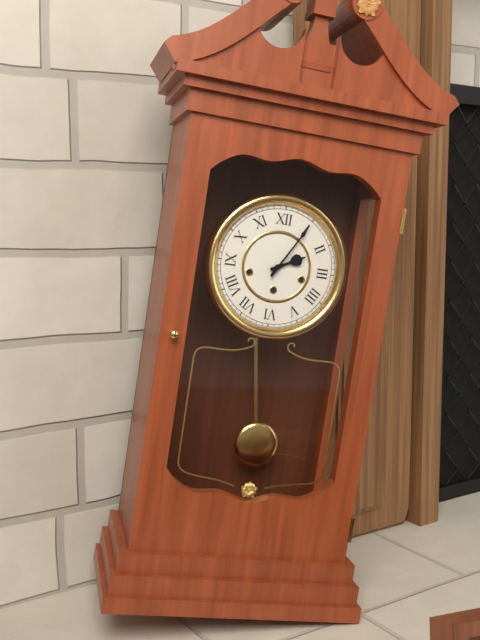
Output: **2:05**
